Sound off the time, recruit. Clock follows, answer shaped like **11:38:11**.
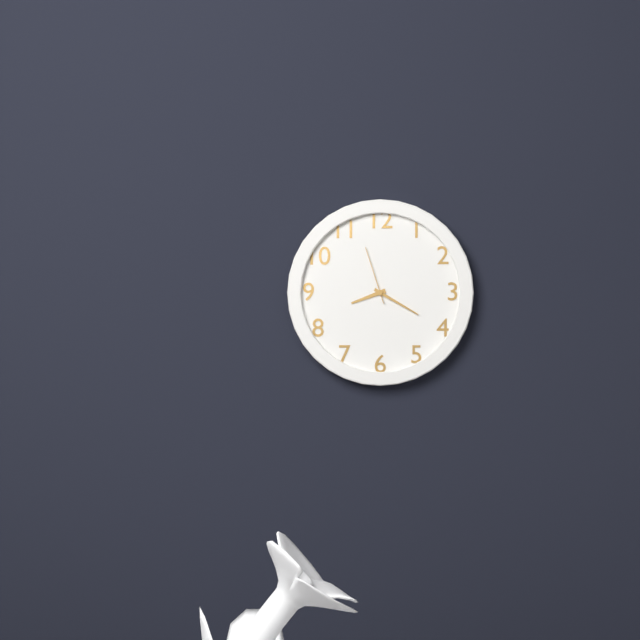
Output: **8:20:57**
